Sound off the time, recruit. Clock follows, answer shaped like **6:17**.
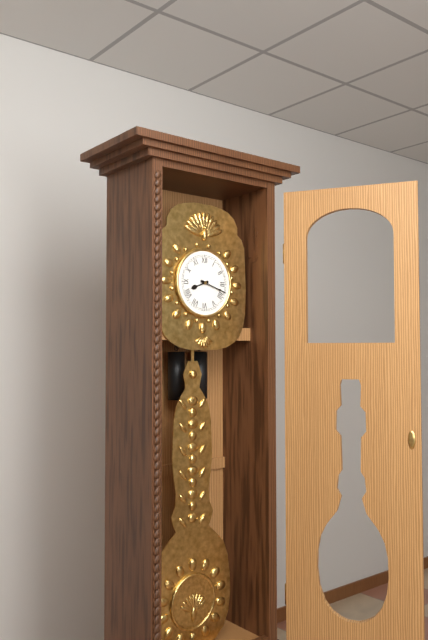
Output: **8:18**
